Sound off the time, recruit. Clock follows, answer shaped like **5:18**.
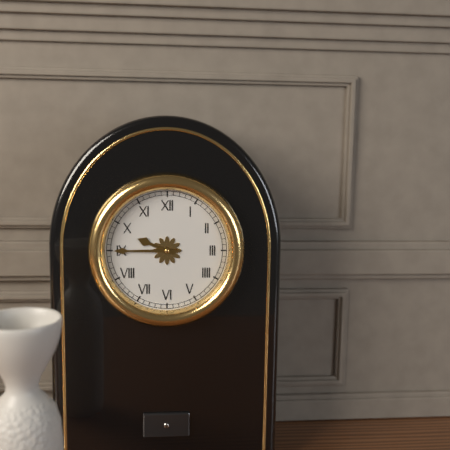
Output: **9:45**
